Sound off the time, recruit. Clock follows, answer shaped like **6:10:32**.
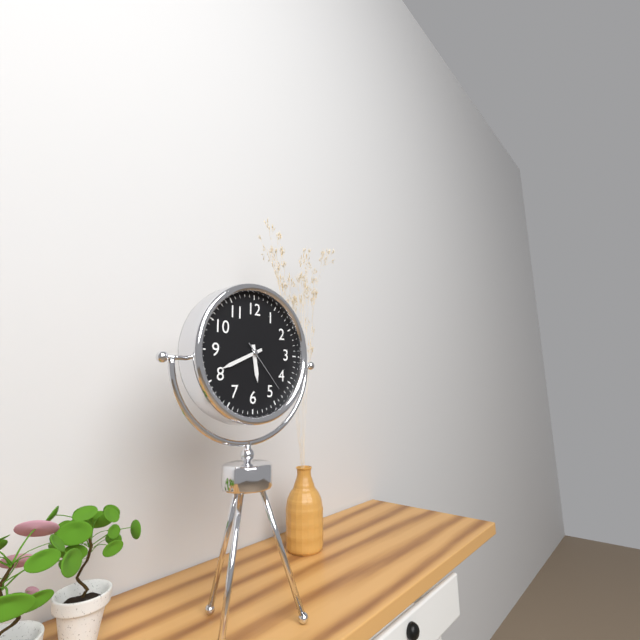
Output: **5:41:23**
